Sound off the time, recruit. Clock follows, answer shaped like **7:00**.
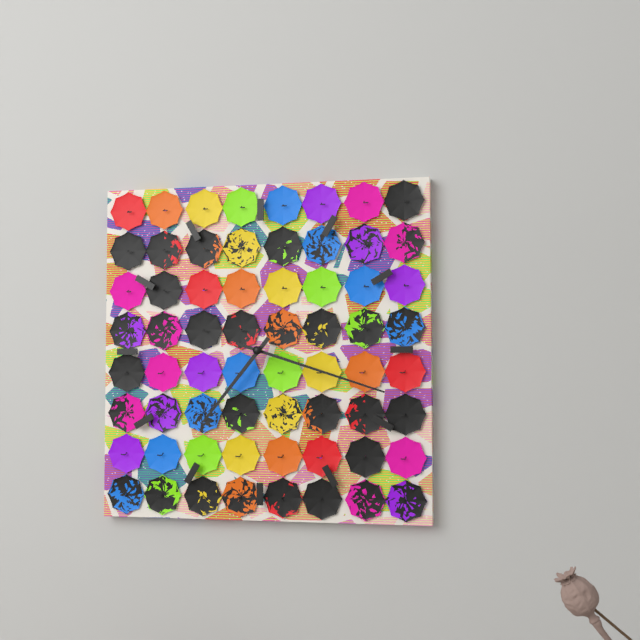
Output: **7:18**
